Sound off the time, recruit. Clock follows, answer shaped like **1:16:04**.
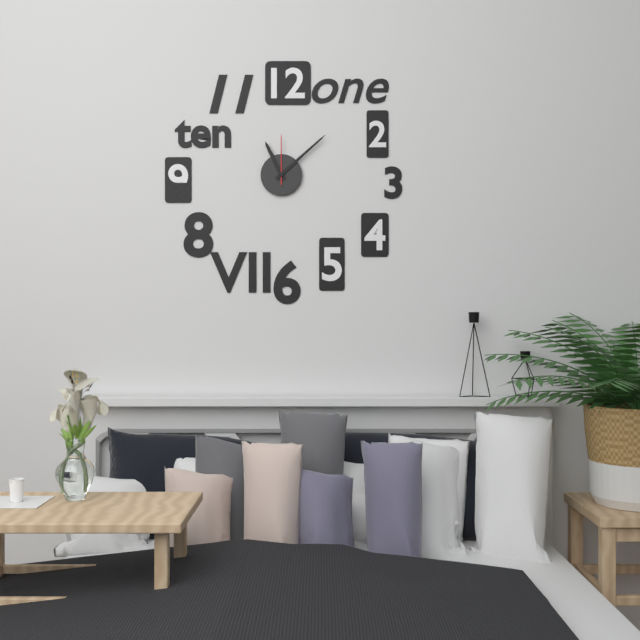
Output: **11:08:00**
